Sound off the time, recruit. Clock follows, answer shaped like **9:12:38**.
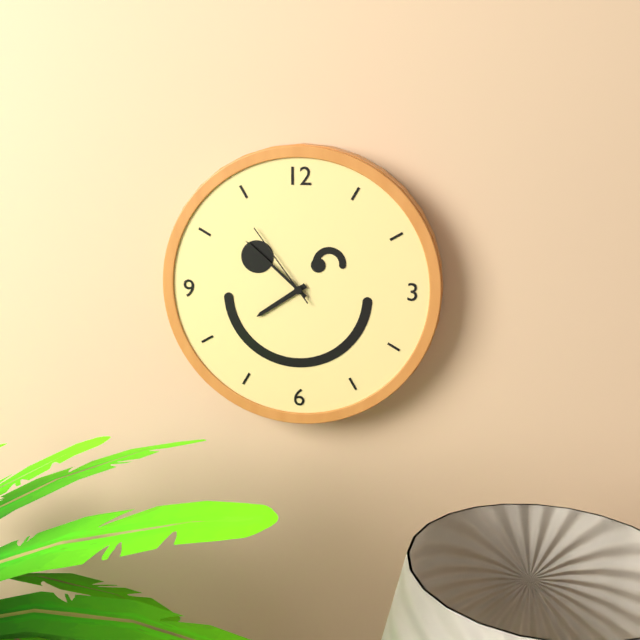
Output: **7:52:54**
